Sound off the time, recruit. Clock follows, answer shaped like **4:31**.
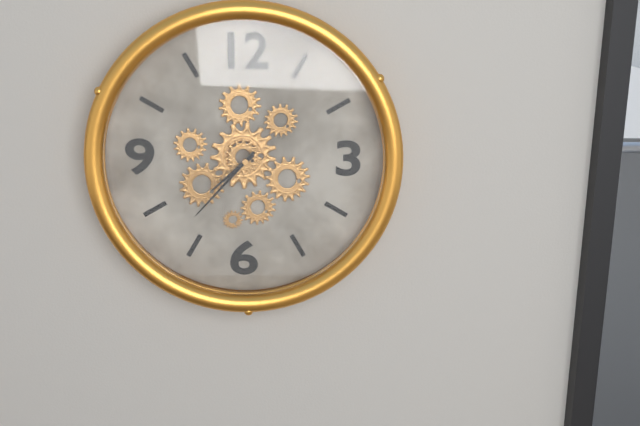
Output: **7:37**
